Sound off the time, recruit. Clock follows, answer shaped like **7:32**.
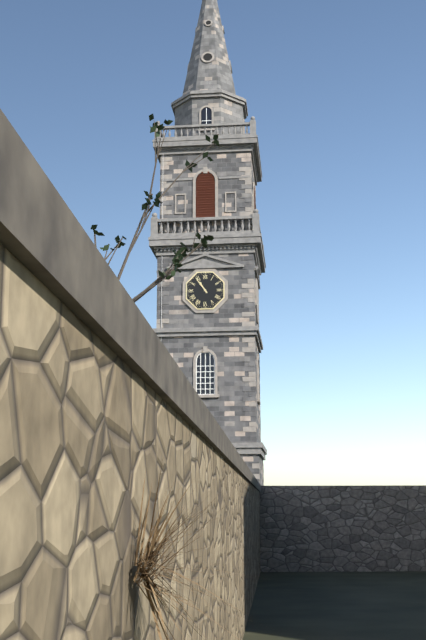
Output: **10:54**
